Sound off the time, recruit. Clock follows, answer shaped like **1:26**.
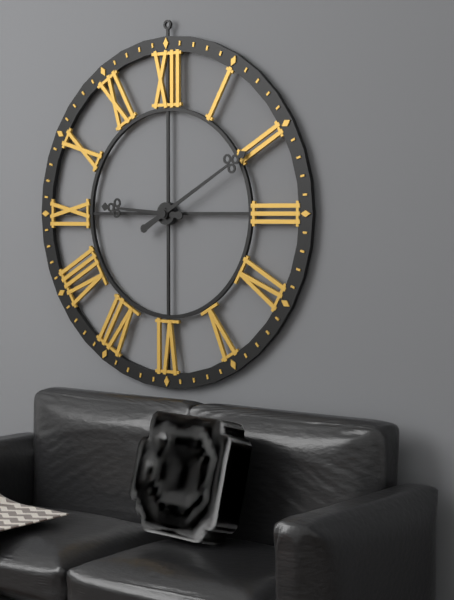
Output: **9:10**
